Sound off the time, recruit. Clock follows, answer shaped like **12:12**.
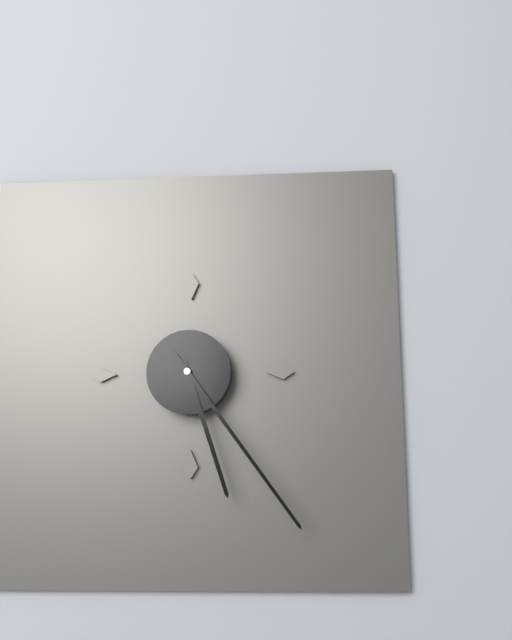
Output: **5:24**
